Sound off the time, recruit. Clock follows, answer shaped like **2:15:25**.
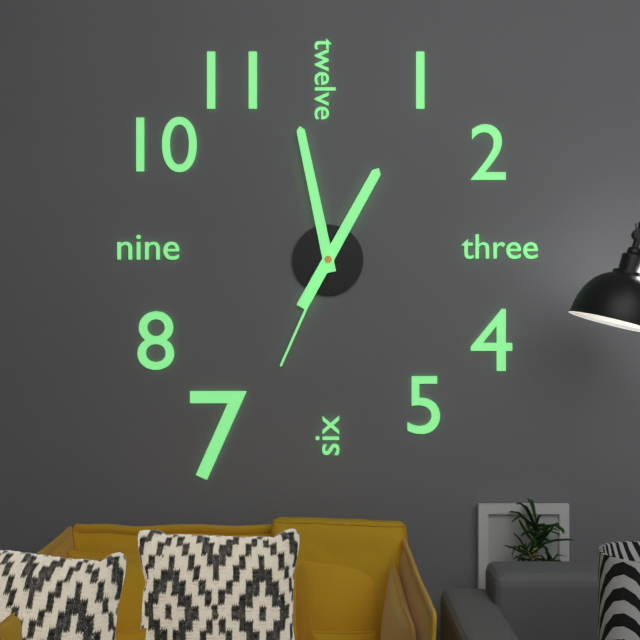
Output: **12:58:34**
